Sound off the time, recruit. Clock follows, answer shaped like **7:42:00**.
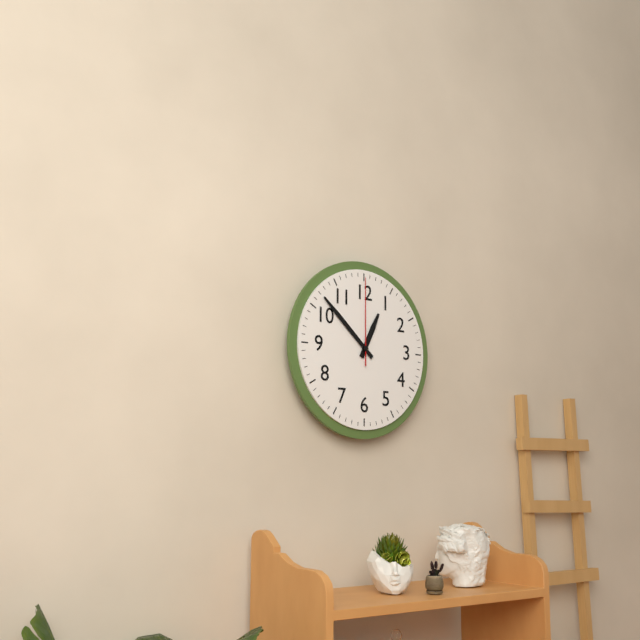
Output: **12:52:00**
